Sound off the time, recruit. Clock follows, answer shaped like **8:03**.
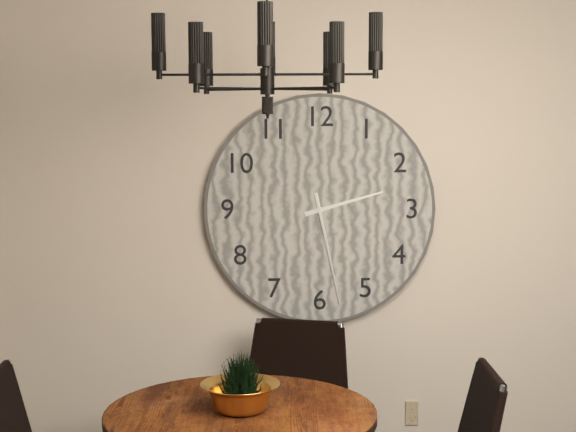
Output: **2:28**
